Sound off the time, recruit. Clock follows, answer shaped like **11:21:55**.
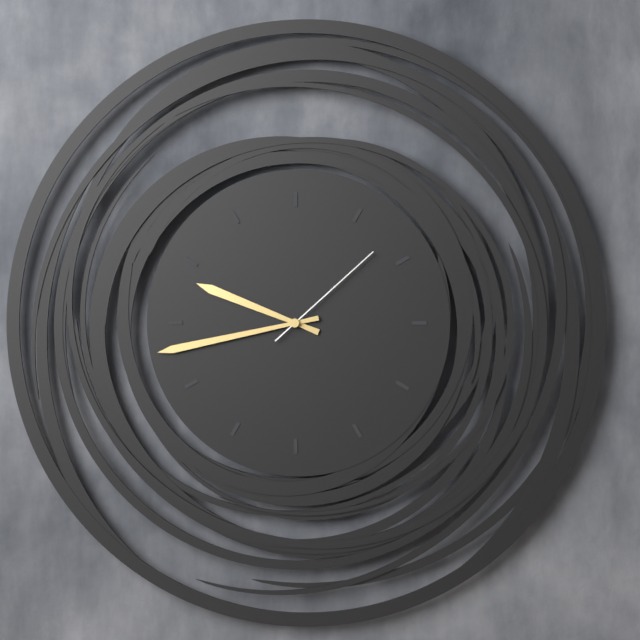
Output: **9:43:08**
